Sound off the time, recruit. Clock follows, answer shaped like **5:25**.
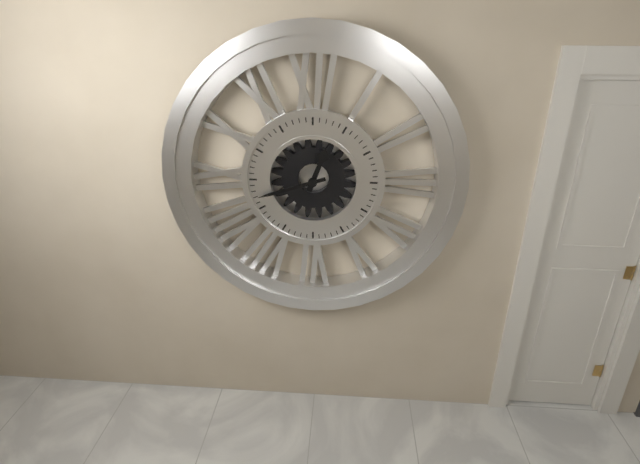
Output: **12:42**
